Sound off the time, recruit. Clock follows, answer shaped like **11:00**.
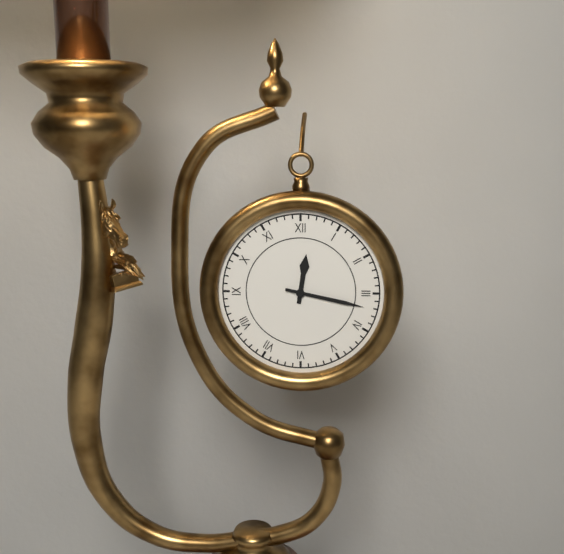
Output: **12:17**
